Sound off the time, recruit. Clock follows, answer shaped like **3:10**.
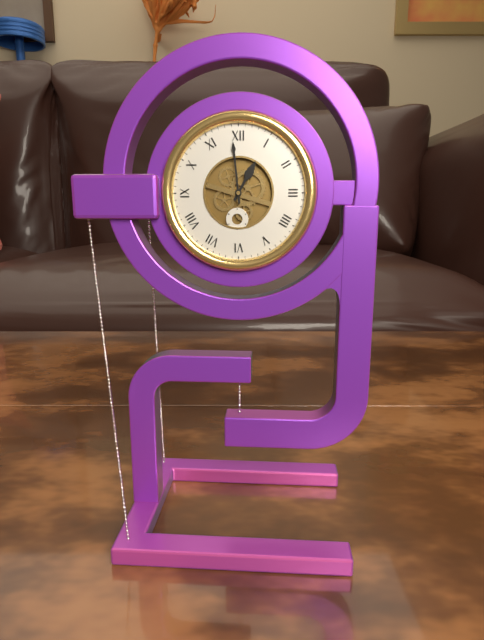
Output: **12:59**
